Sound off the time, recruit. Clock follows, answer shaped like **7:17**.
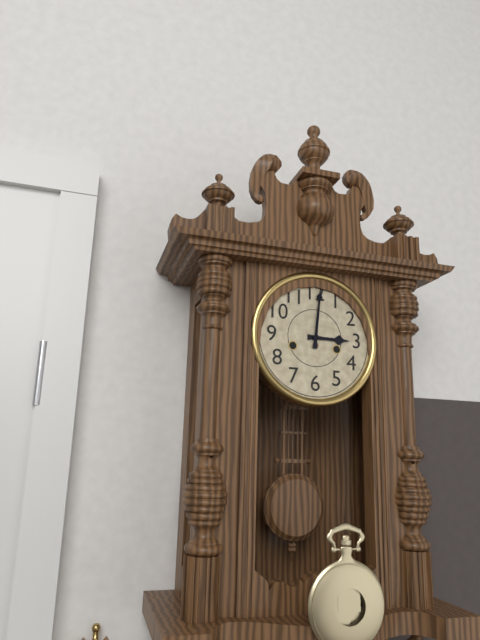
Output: **3:01**
